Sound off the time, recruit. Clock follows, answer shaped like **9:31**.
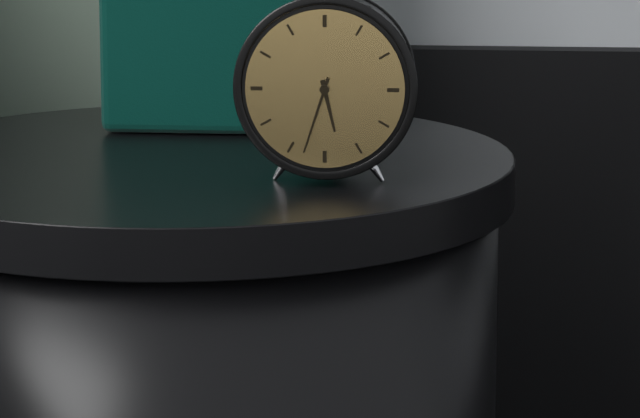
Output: **5:33**
